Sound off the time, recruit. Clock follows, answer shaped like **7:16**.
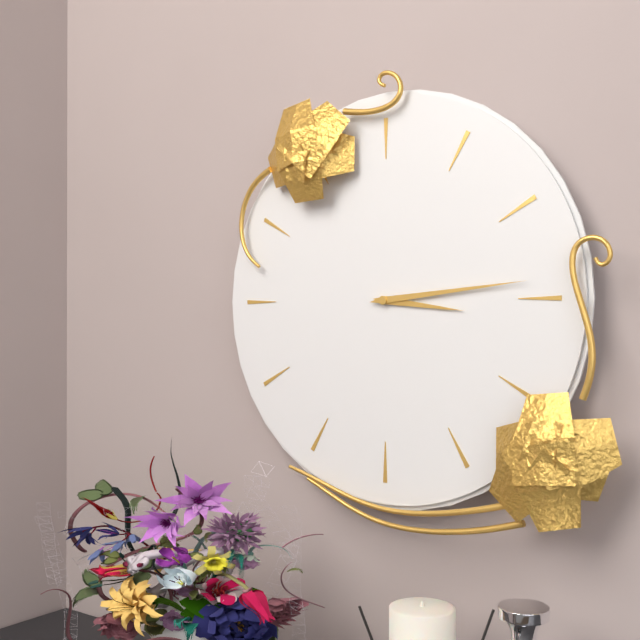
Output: **3:14**
